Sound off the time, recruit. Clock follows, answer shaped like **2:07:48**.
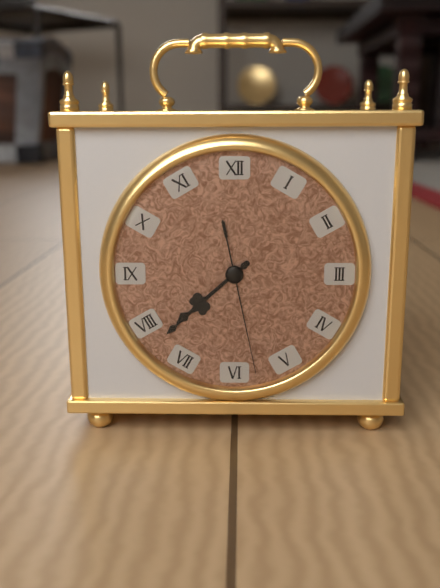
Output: **7:38:28**
